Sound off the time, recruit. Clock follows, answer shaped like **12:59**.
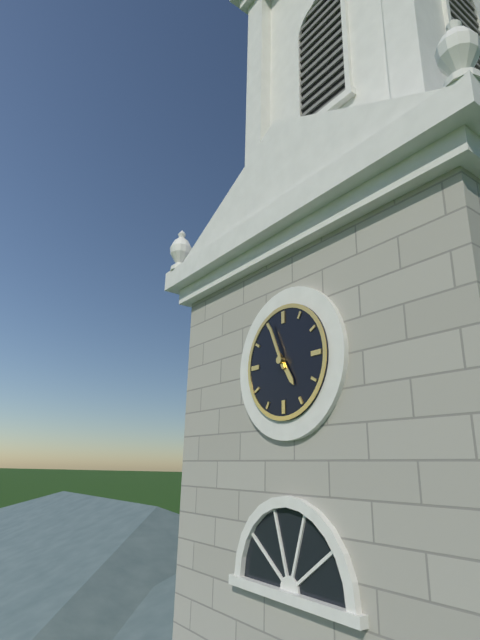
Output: **4:56**
